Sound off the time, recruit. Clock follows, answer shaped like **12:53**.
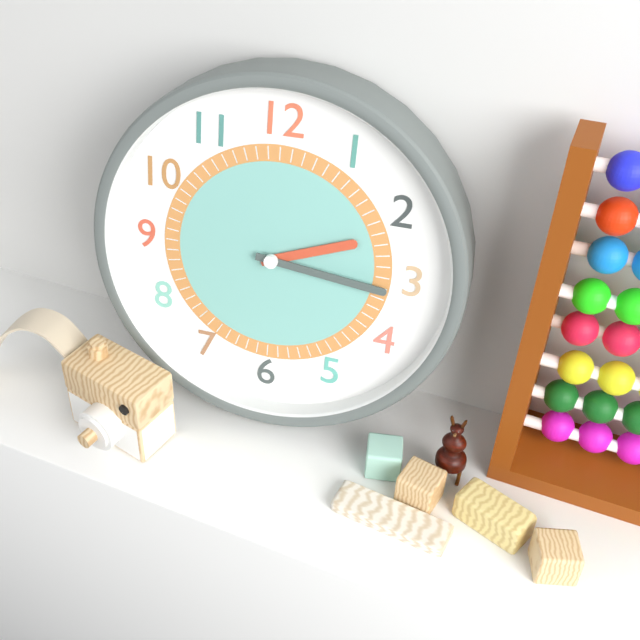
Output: **2:16**
